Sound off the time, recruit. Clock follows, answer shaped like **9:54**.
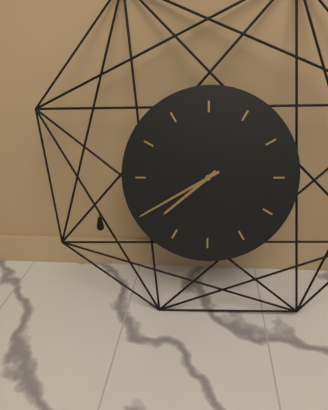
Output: **7:40**
